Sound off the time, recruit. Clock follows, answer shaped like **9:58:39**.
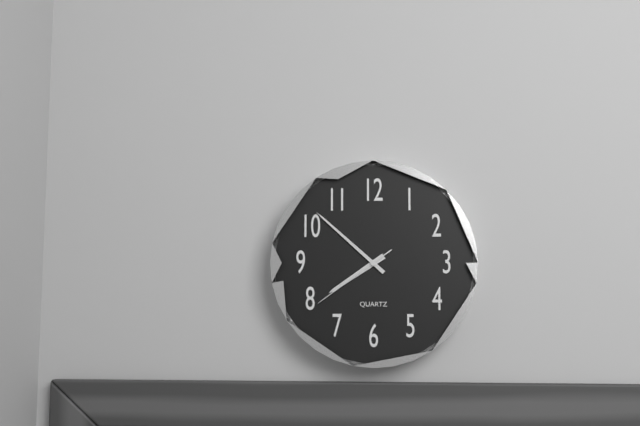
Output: **7:52:39**
